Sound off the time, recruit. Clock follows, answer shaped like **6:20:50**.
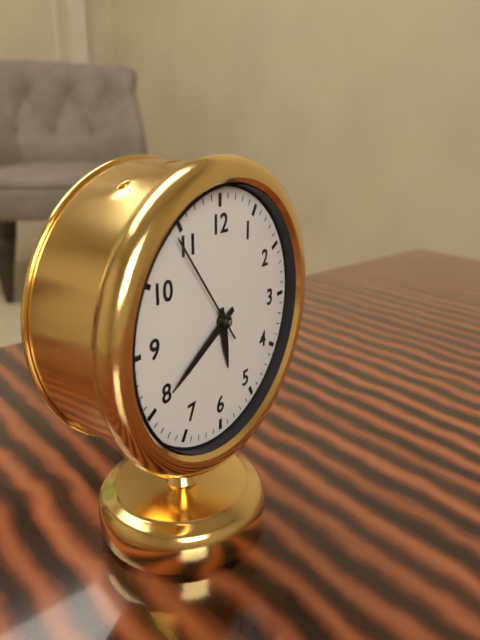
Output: **5:40:54**
